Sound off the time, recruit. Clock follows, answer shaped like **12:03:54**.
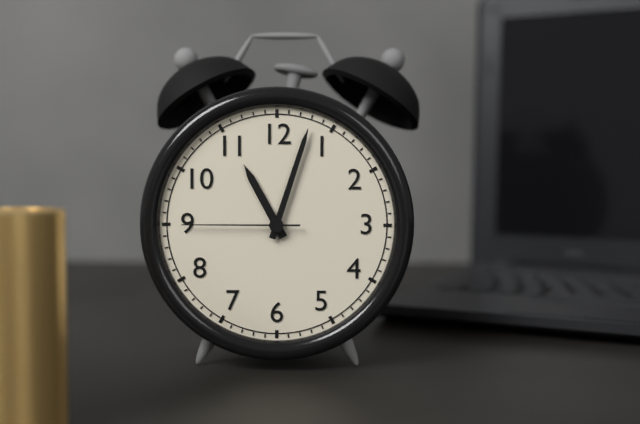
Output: **11:03:45**
